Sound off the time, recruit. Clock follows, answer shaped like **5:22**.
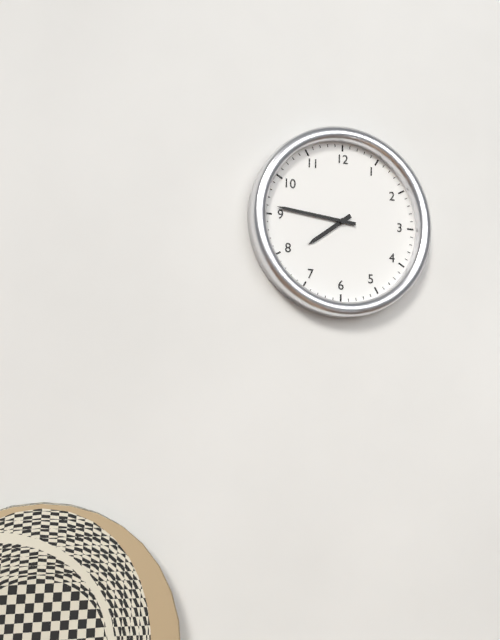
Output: **7:46**
